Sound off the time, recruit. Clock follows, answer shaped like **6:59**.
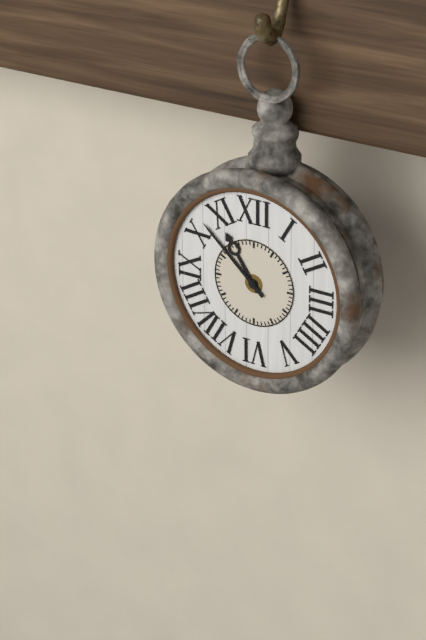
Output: **10:52**
